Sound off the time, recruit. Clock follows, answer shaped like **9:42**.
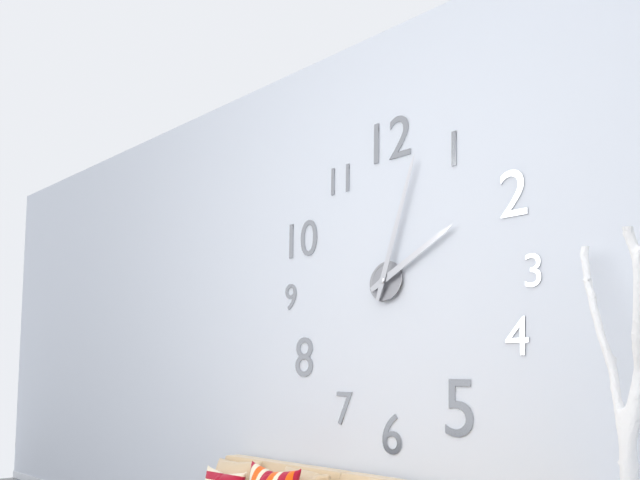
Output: **2:03**
